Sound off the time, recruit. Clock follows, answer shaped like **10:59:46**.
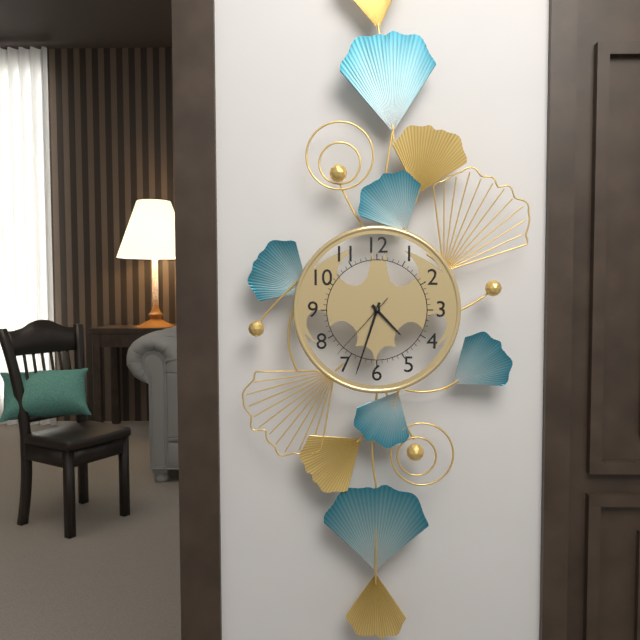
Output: **4:33:37**
